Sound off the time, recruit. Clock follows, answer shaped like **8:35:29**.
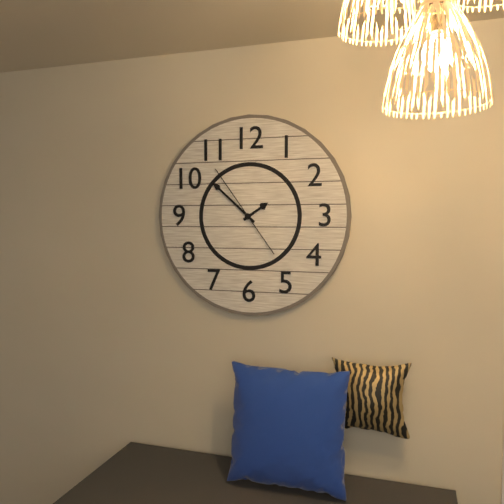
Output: **1:52:54**
